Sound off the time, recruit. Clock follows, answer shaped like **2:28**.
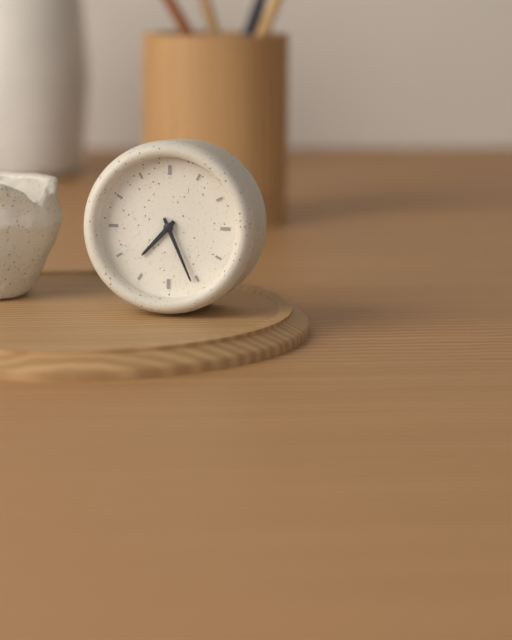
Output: **7:26**
